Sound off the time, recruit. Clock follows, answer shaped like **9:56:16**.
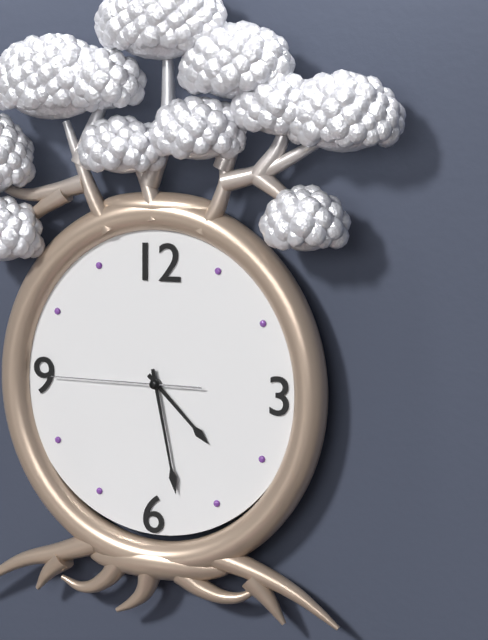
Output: **4:28:45**
